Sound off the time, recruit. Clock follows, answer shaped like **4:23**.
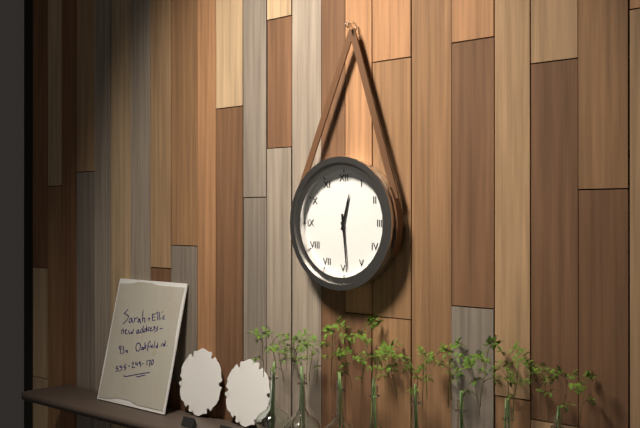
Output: **12:29**
